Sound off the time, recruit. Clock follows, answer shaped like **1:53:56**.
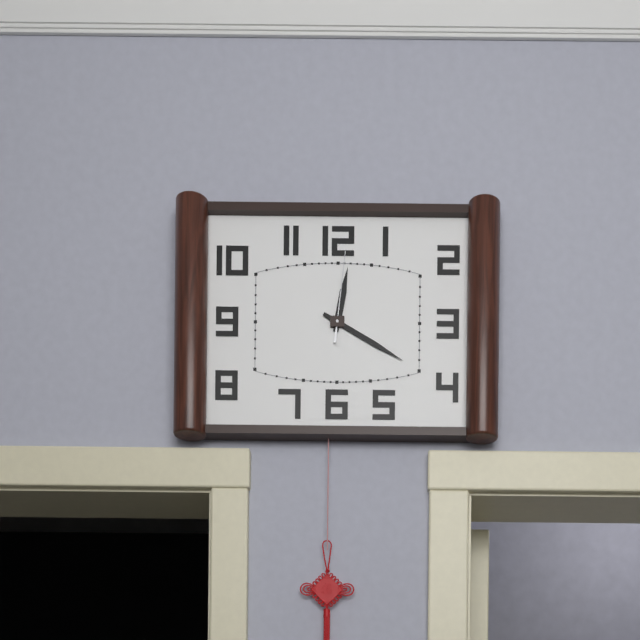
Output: **12:20:01**
